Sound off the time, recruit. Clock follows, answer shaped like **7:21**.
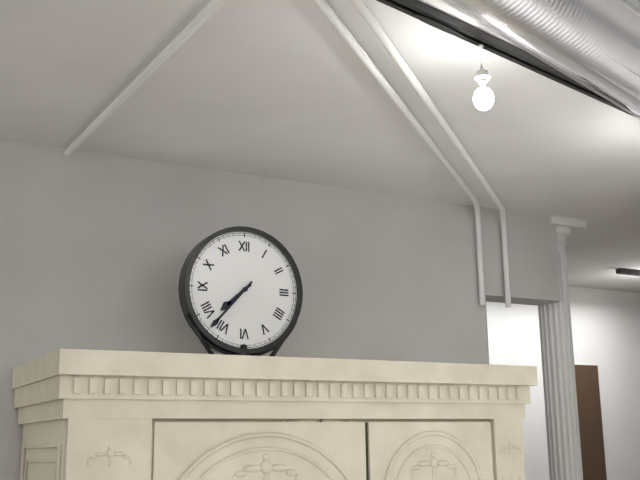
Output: **7:37**
